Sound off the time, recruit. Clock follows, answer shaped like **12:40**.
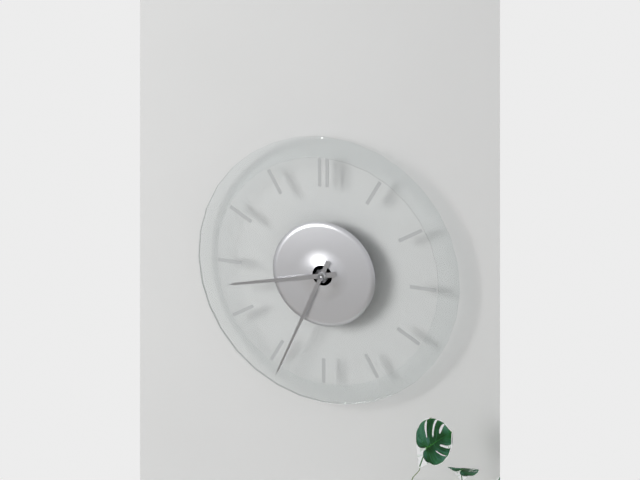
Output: **8:34**
